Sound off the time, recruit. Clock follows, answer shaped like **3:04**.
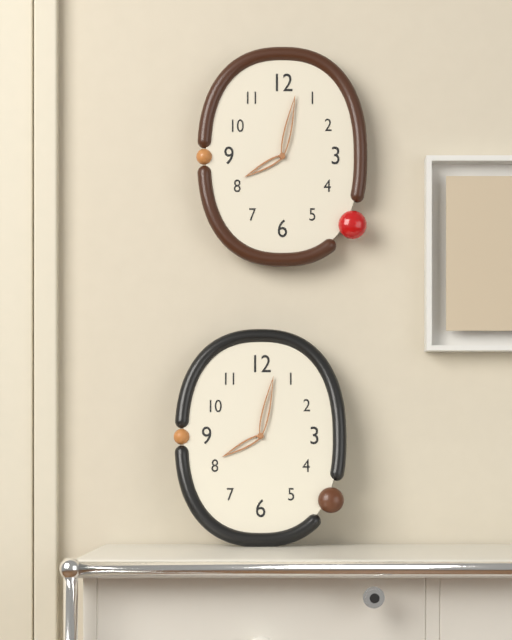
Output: **8:02**
